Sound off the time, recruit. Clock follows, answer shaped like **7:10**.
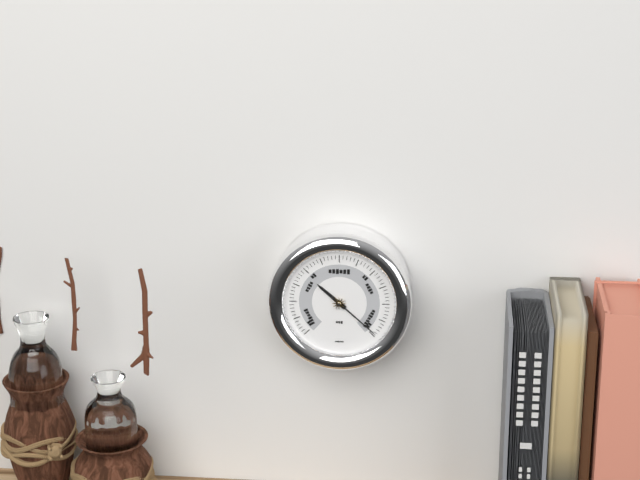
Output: **10:22**
